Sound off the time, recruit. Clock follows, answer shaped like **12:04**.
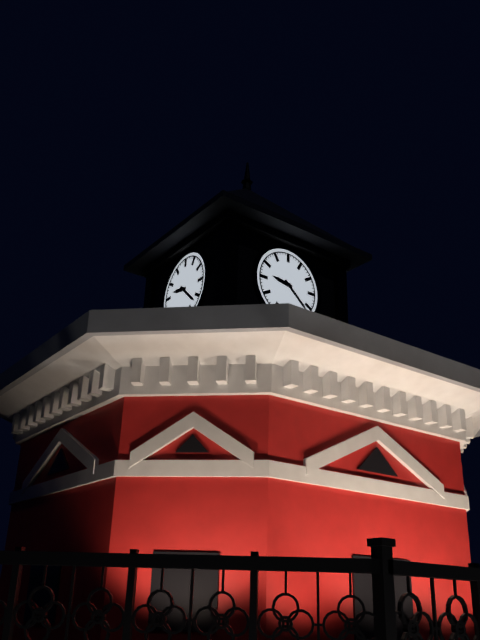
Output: **9:22**
